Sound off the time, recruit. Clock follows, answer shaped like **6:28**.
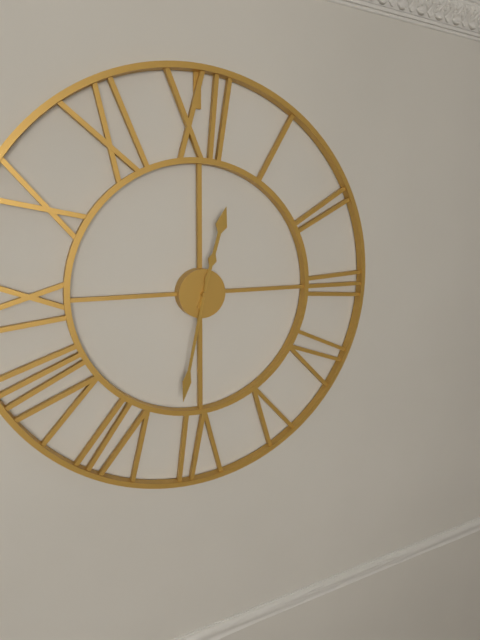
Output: **12:32**
